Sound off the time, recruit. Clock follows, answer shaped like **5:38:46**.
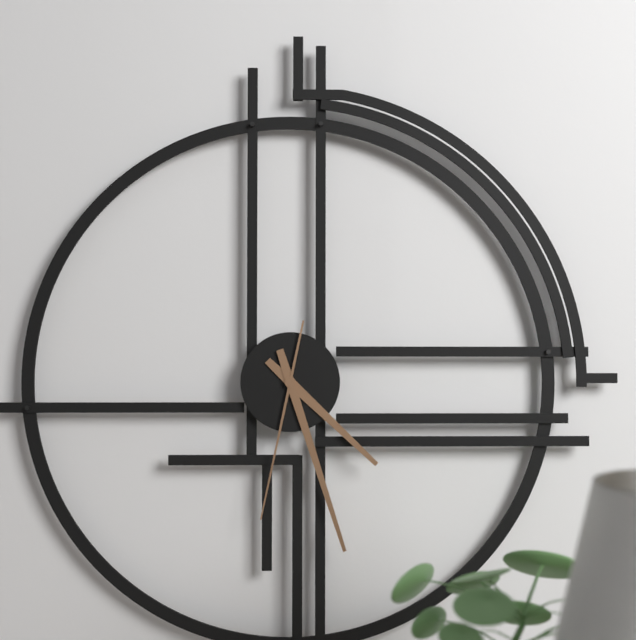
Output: **4:27:32**
